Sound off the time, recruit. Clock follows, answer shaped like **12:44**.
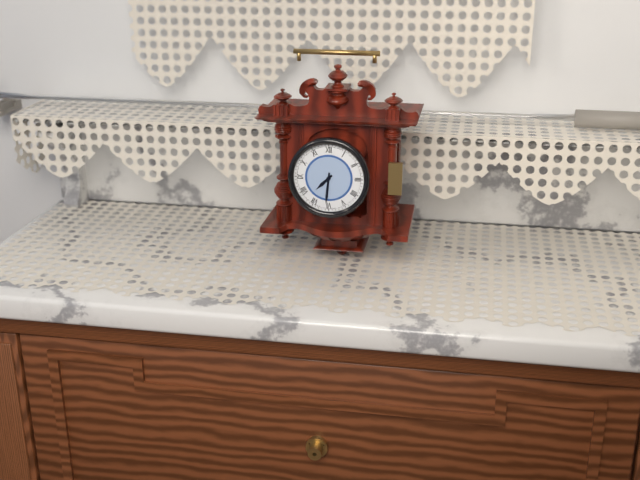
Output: **7:31**
